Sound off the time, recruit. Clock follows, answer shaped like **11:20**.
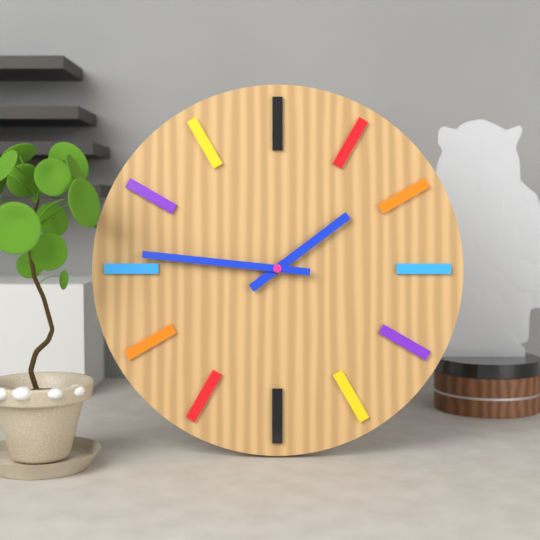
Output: **1:46**
